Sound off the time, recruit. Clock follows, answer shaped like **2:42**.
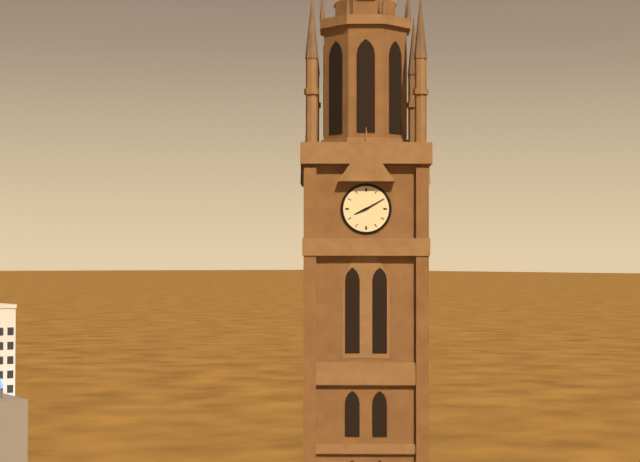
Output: **8:10**
